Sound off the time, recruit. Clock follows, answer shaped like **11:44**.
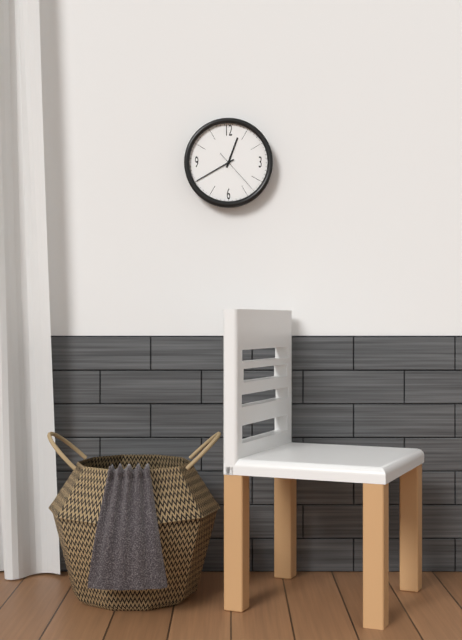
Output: **12:40**
